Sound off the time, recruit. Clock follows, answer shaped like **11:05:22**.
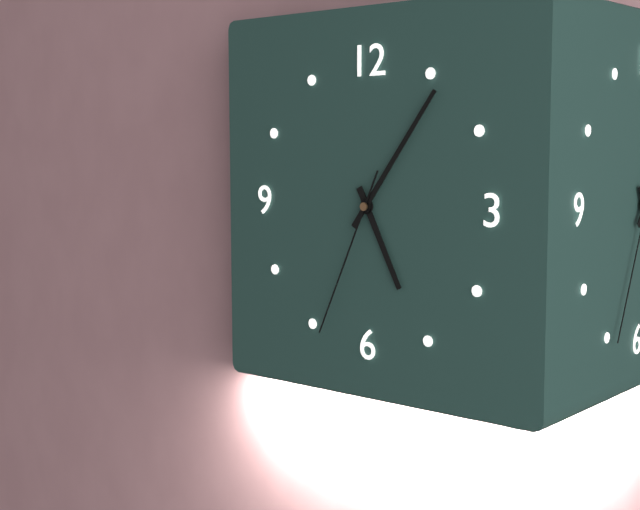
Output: **5:06:34**
